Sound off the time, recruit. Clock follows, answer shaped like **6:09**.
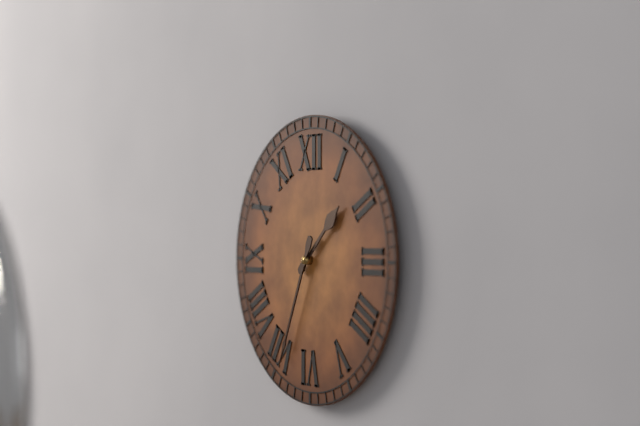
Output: **1:34**
